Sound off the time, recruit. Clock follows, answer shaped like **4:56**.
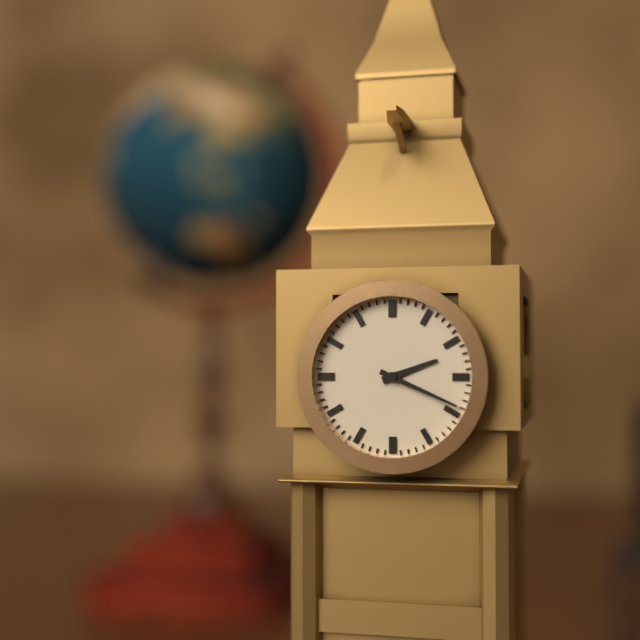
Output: **2:19**
